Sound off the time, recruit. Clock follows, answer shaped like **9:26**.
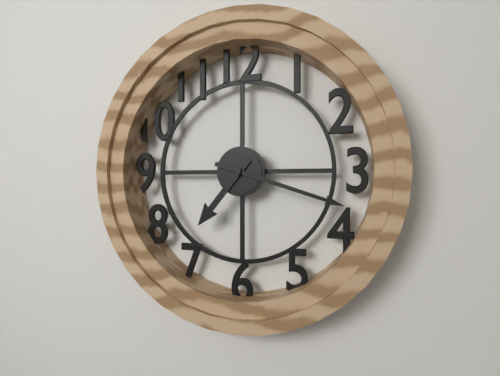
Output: **7:18**
